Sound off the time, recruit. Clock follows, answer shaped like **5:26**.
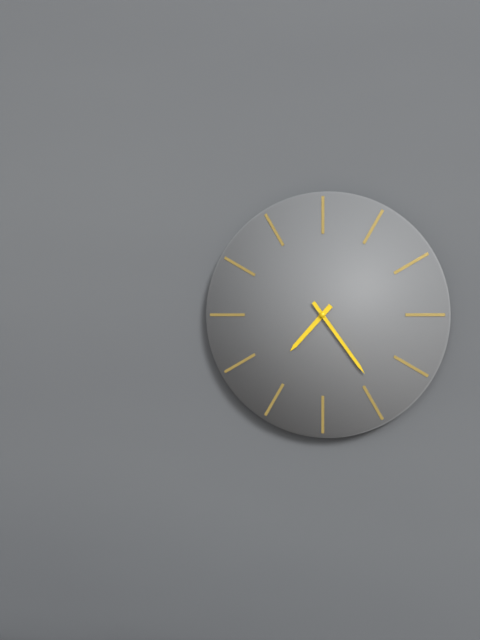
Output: **7:24**
